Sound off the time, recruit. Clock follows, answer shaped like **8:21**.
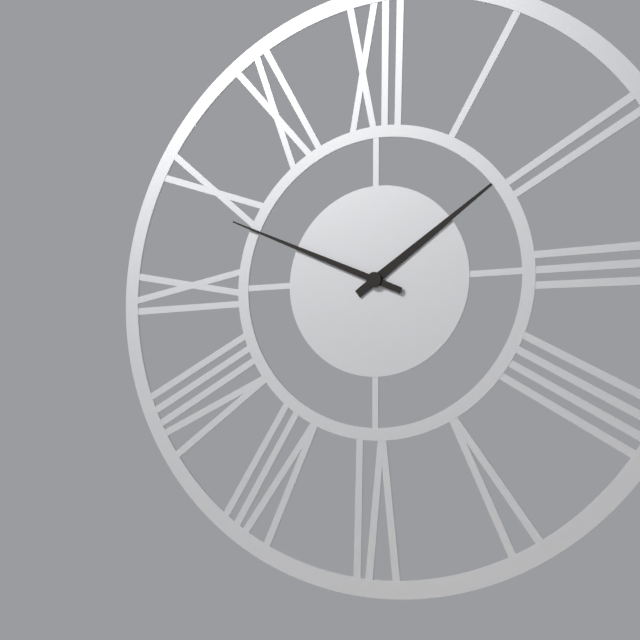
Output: **1:49**
